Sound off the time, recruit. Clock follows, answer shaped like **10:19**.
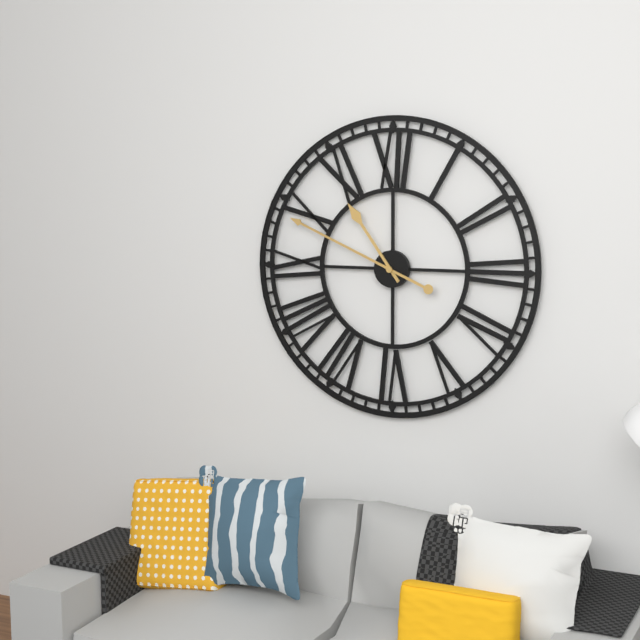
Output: **10:49**
